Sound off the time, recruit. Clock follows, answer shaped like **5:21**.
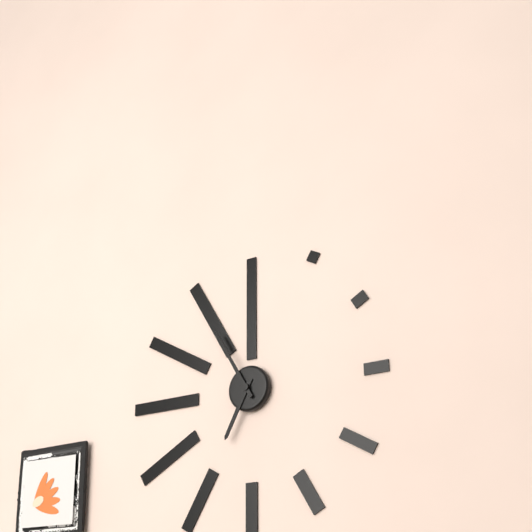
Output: **6:55**
